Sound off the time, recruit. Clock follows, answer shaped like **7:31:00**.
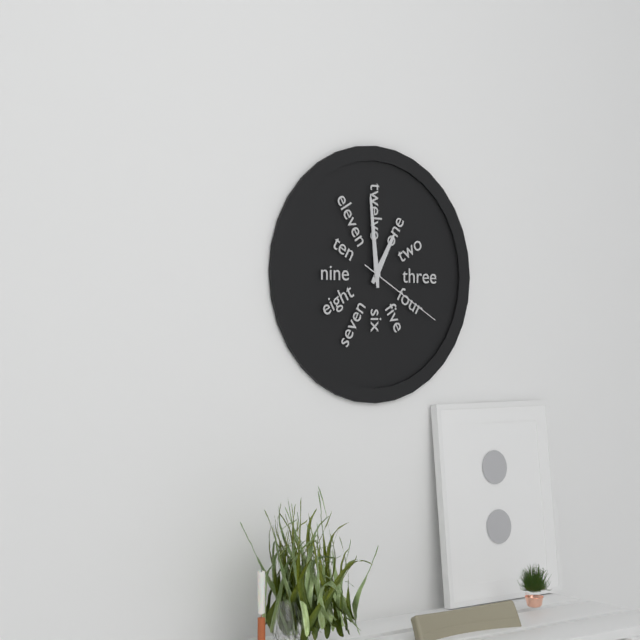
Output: **12:59:20**
